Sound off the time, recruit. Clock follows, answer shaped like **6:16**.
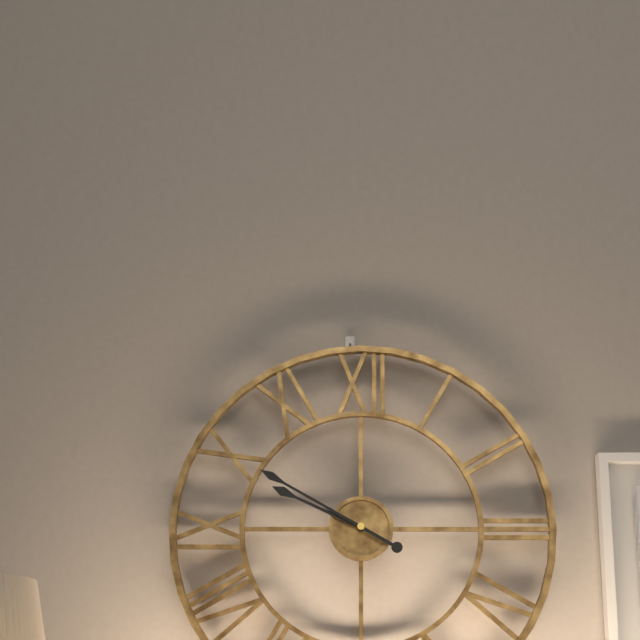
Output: **9:50**
